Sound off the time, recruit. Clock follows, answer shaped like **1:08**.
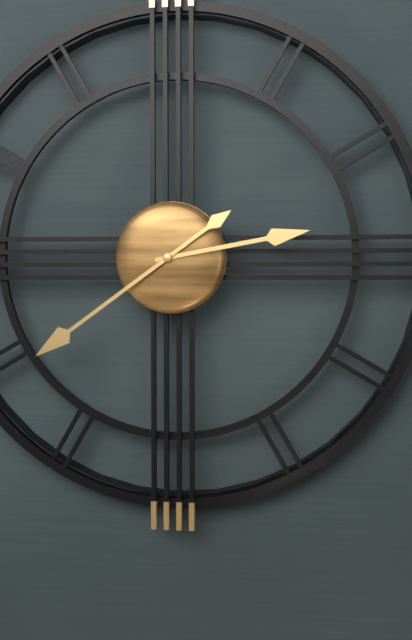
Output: **2:39**
